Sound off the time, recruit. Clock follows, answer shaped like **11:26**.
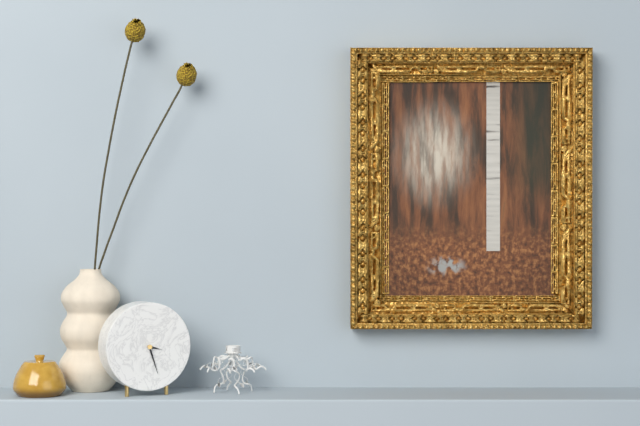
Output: **3:27**
